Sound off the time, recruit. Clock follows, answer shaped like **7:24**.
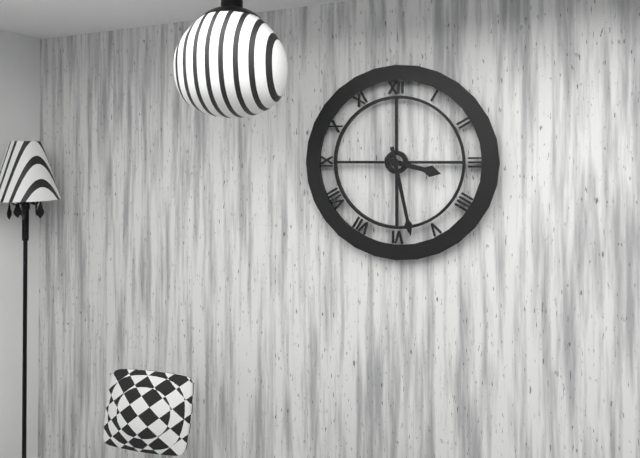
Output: **3:28**
